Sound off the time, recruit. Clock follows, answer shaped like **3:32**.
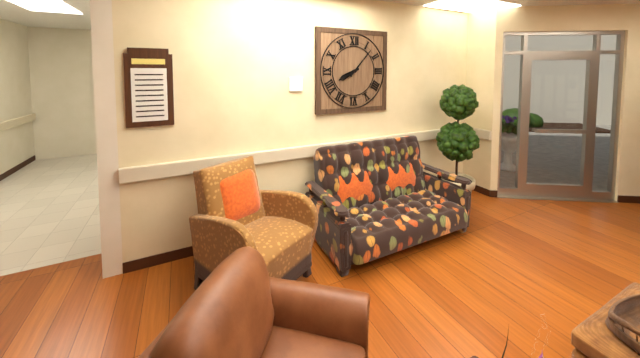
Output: **8:07**
